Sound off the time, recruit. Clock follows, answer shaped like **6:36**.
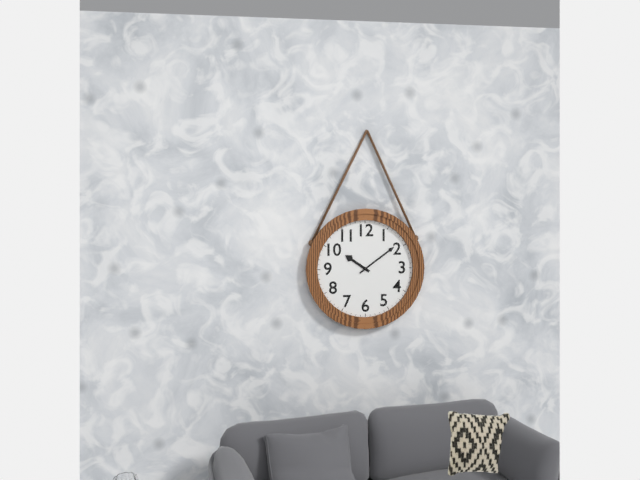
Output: **10:09**
